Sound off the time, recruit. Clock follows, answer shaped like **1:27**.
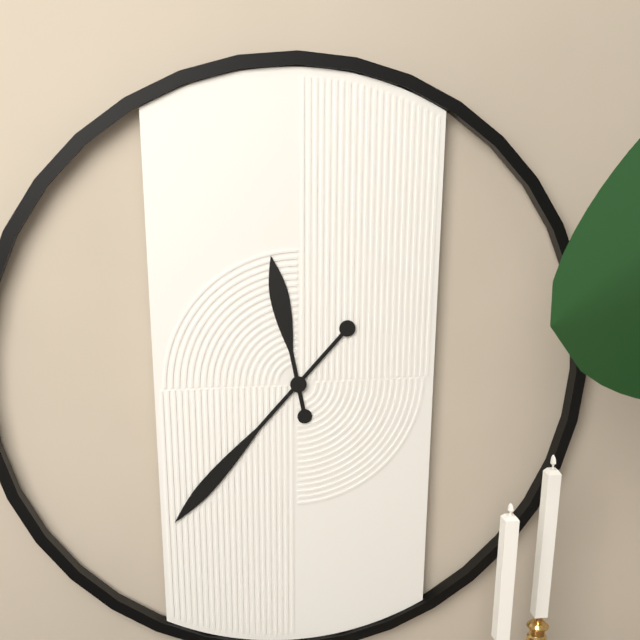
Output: **11:37**
